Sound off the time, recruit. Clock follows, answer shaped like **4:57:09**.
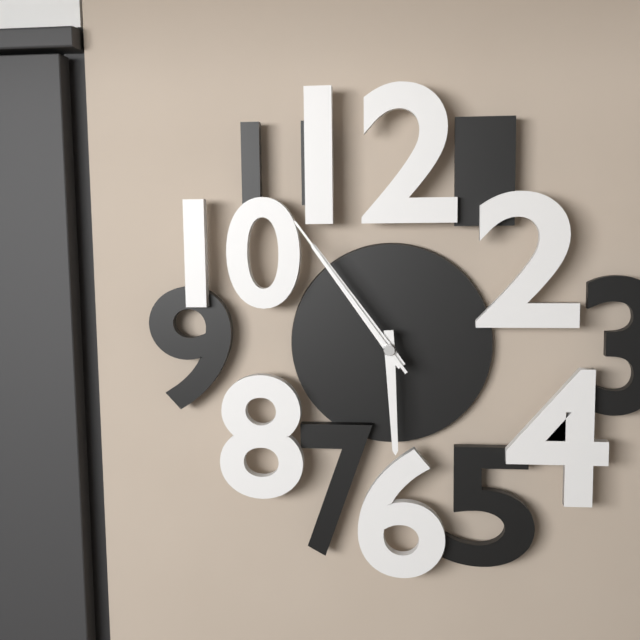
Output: **5:54:54**
